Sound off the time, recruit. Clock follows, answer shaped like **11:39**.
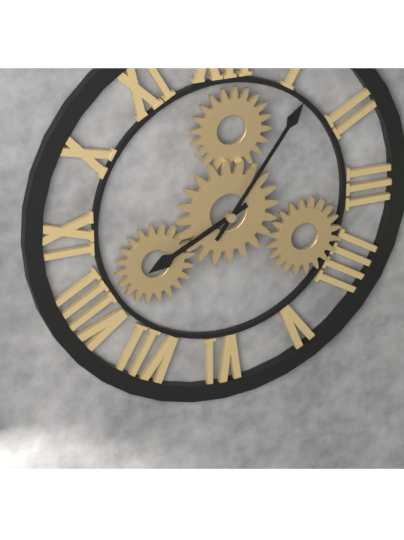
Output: **8:06**
